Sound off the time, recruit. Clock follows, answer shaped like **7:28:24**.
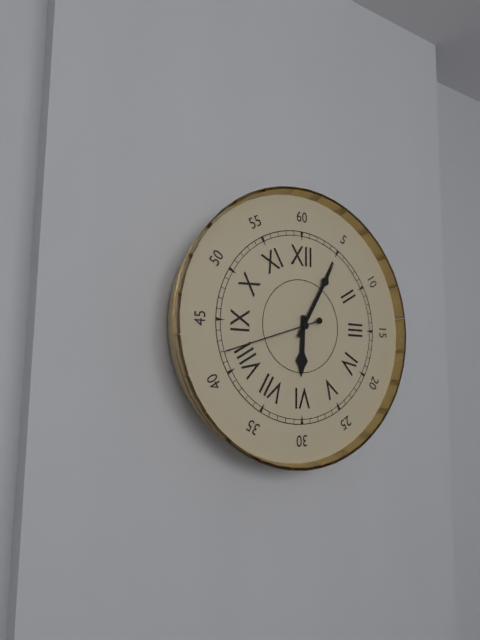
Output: **6:05:42**
